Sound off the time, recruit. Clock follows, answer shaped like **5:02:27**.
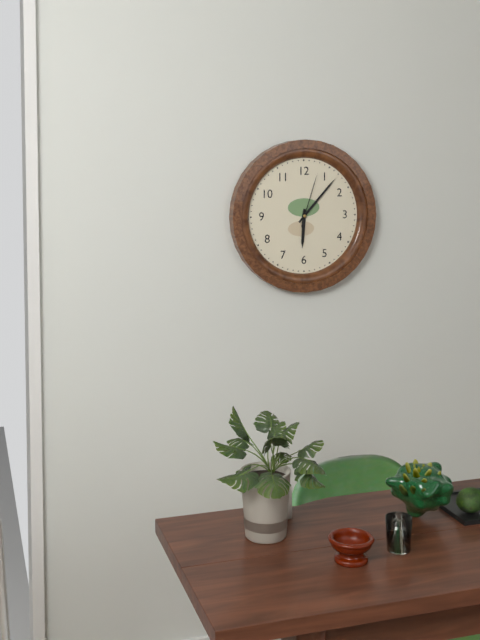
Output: **6:07:03**
